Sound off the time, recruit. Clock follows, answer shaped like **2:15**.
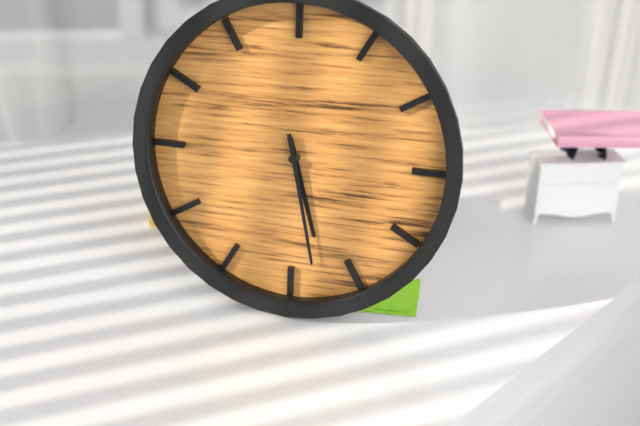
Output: **5:28**
